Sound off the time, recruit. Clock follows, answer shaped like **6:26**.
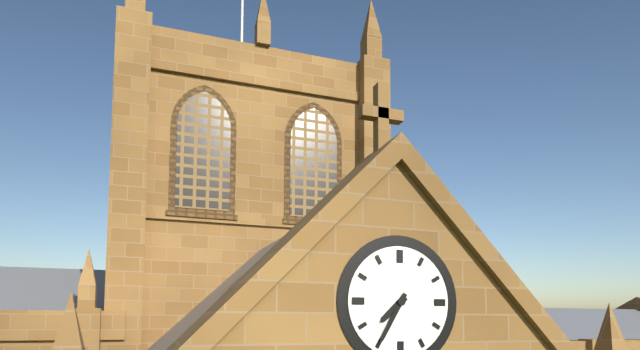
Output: **7:35**
